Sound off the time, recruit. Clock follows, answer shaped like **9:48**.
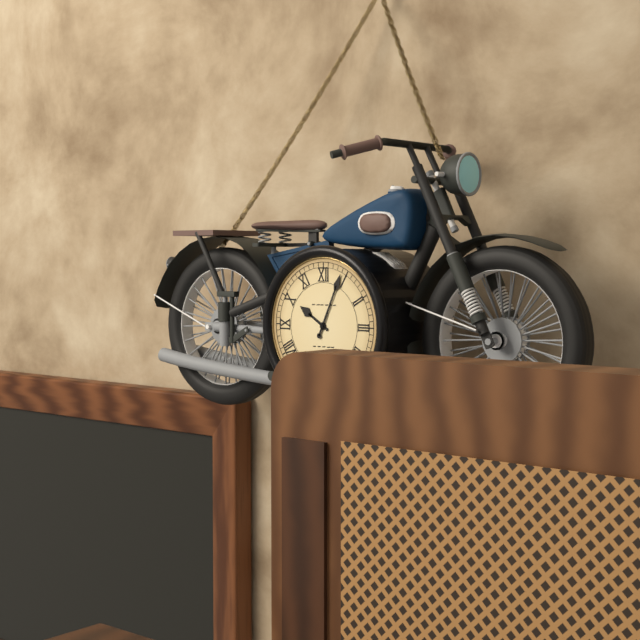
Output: **10:04**
